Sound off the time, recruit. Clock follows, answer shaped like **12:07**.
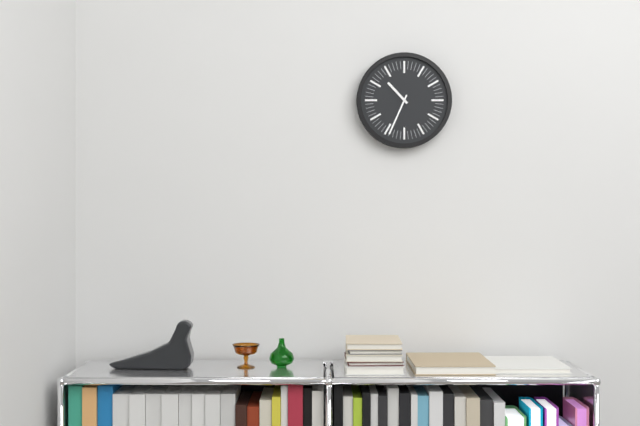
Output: **10:34**
